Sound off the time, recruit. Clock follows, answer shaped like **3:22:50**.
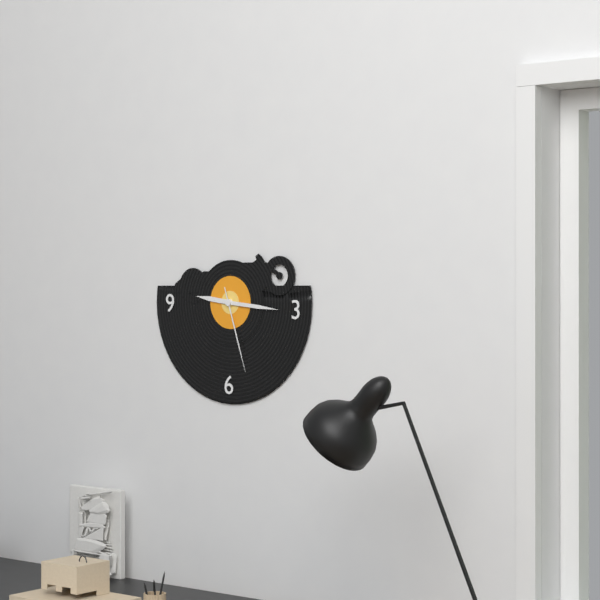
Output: **9:16:27**
